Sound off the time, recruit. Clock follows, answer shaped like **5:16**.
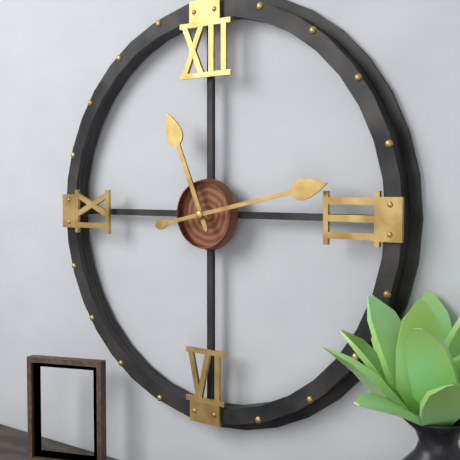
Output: **11:13**
